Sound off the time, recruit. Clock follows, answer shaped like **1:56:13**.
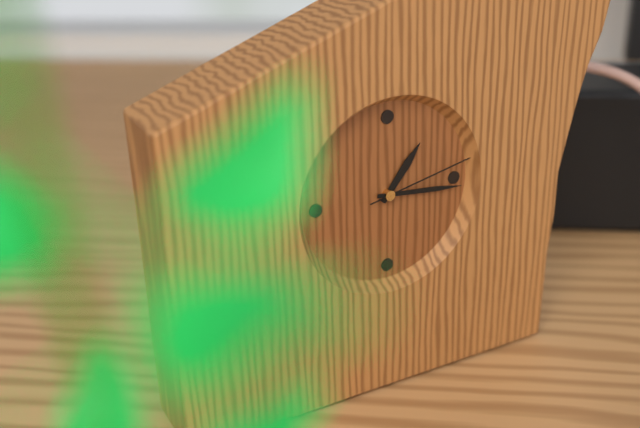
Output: **1:16:13**
